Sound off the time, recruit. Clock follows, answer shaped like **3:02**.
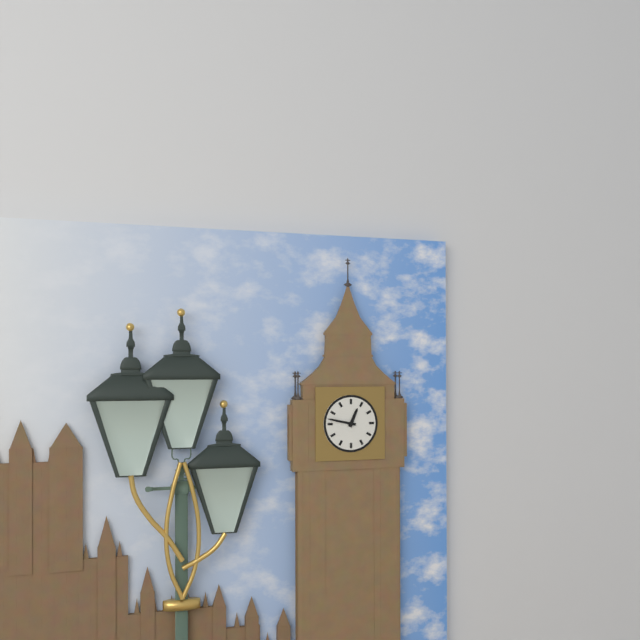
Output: **12:47**
